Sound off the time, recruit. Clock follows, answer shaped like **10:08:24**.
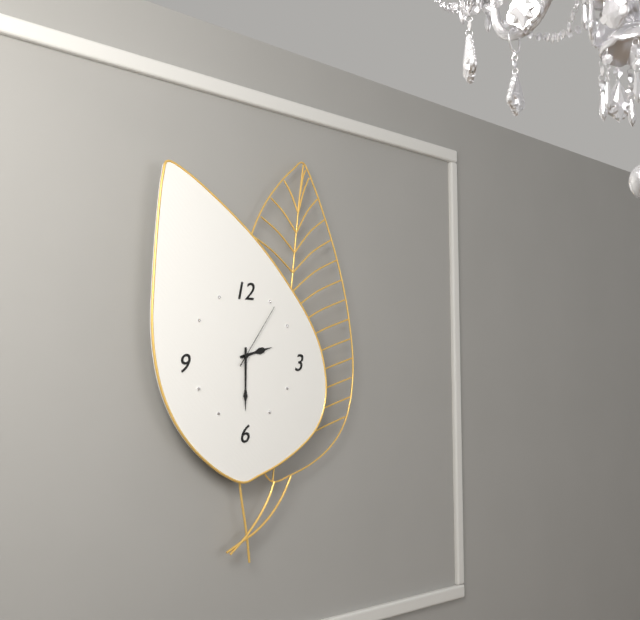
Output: **2:30:06**
